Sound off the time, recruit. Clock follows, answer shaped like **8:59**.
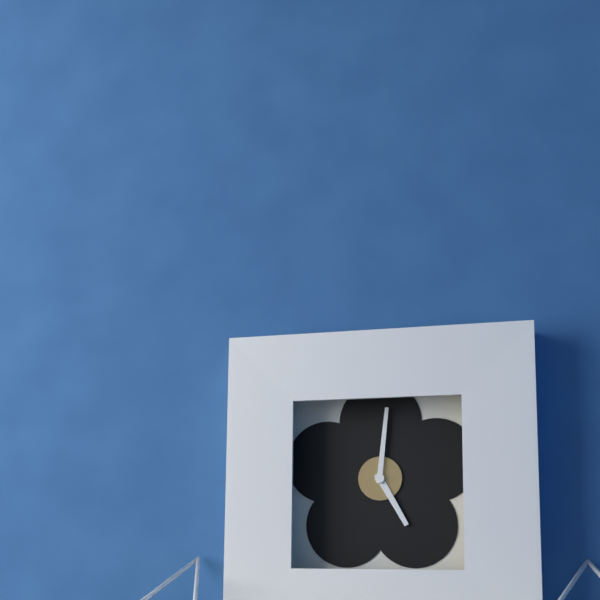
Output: **5:01**
